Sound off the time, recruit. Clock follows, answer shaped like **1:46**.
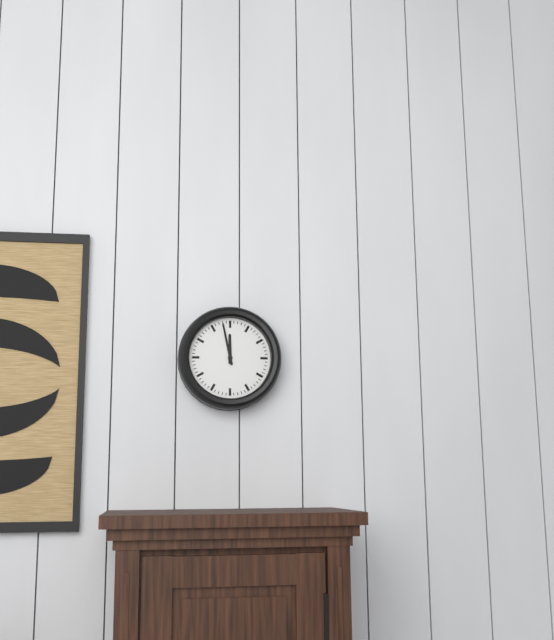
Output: **11:58**
